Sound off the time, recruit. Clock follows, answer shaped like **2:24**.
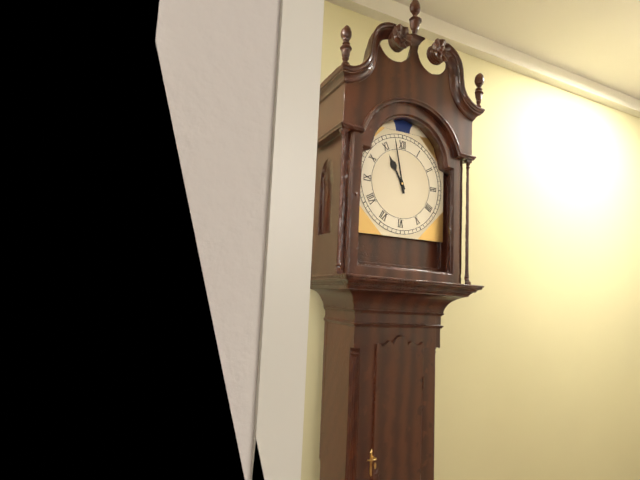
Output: **10:58**
